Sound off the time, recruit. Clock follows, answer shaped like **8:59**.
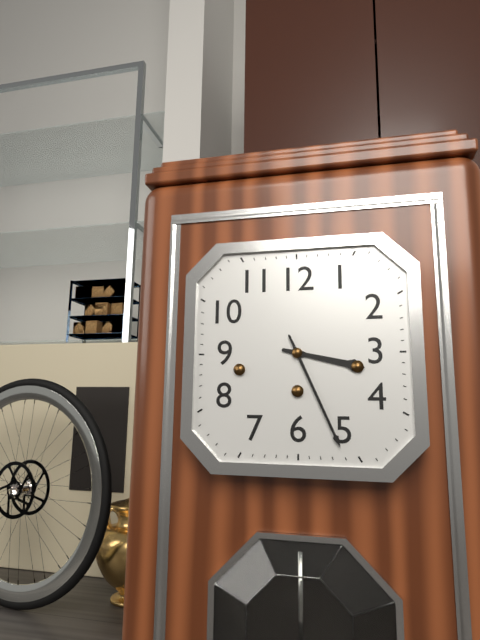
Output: **3:26**
